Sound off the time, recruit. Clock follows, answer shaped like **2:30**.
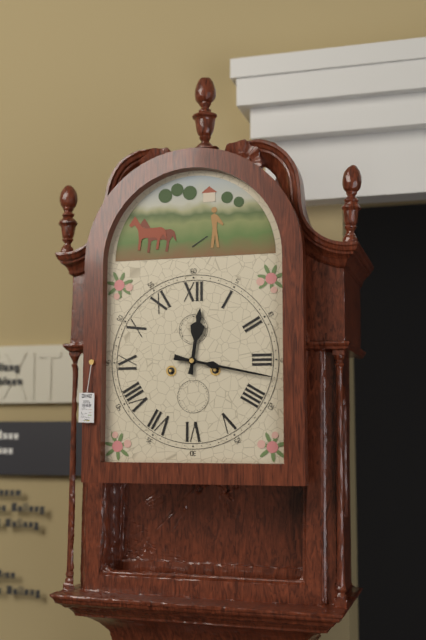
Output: **12:17**
